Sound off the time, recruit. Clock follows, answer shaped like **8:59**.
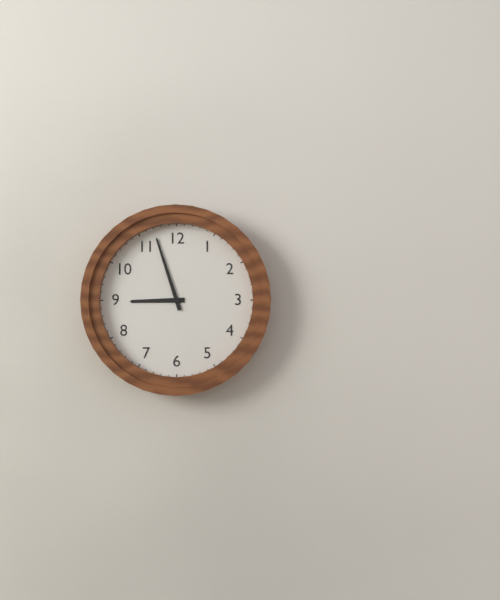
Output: **8:57**
